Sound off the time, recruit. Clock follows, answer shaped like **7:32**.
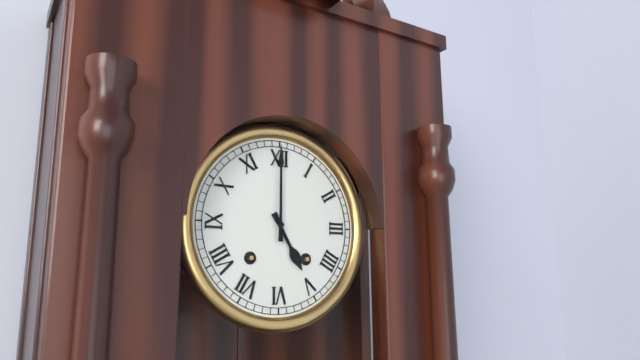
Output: **5:00**
